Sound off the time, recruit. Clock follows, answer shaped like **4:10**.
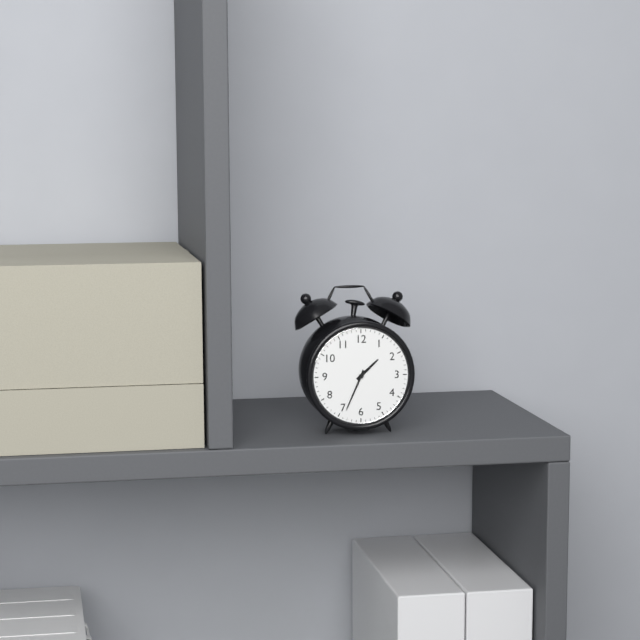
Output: **1:34**
